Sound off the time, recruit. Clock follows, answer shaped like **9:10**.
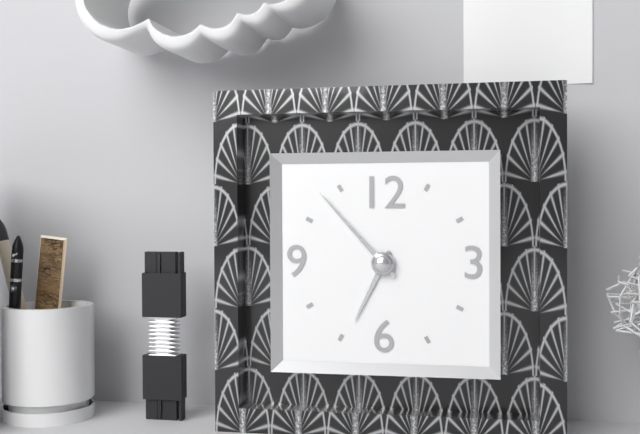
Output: **6:53**
